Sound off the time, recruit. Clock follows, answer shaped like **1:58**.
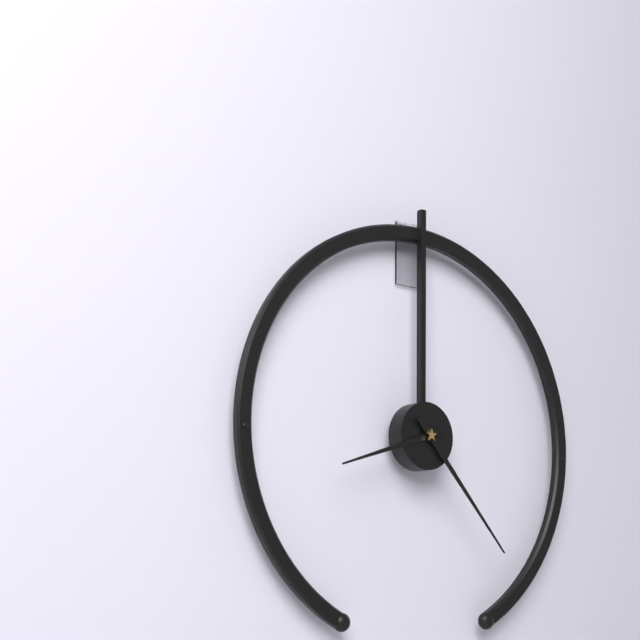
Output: **8:23**
